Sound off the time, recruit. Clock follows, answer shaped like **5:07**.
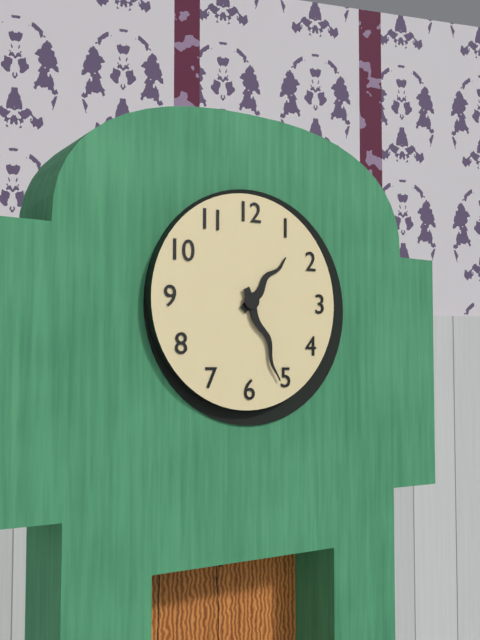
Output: **1:26**
